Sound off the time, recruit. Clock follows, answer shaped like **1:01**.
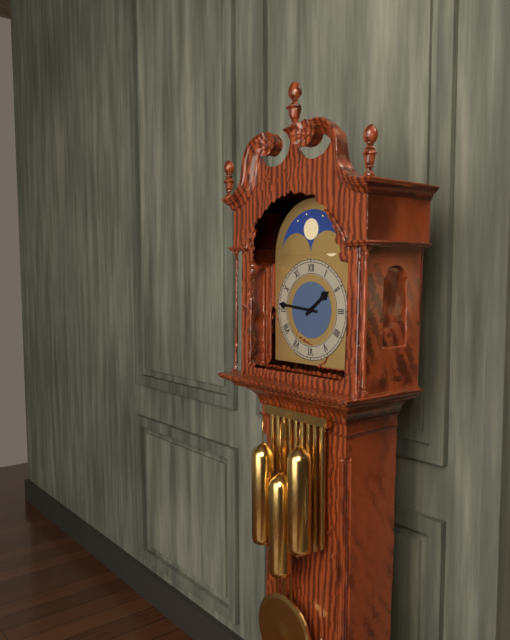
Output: **1:46**
